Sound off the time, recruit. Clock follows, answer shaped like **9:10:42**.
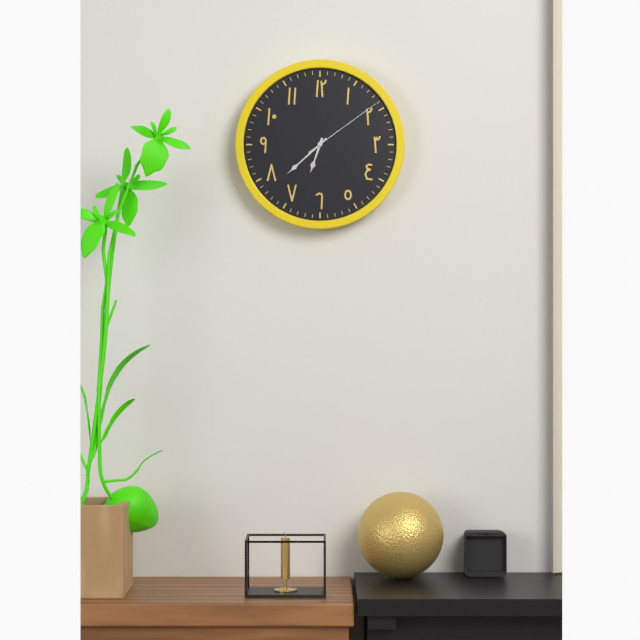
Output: **6:38:09**
